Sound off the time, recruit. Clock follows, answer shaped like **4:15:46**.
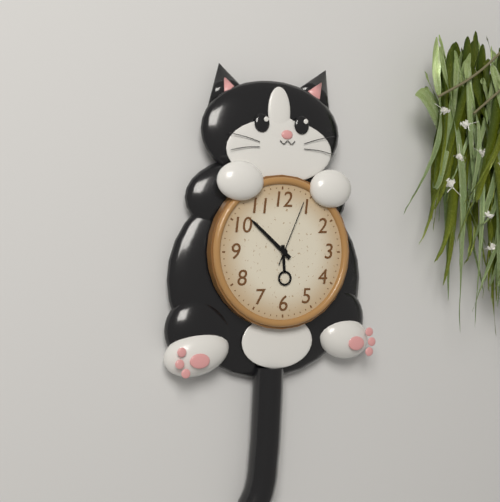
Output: **5:52:04**
